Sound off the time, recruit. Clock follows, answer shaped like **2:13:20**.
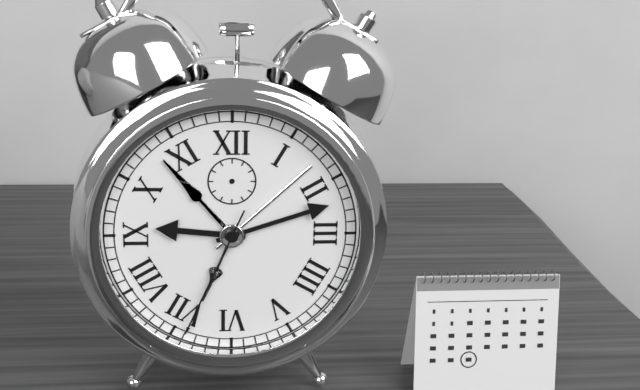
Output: **9:12:34**
